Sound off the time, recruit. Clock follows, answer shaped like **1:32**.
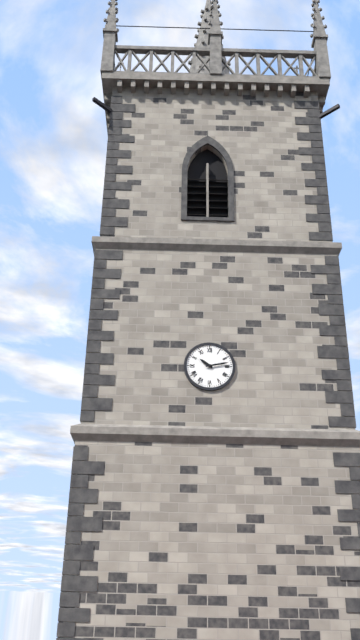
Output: **10:13**
